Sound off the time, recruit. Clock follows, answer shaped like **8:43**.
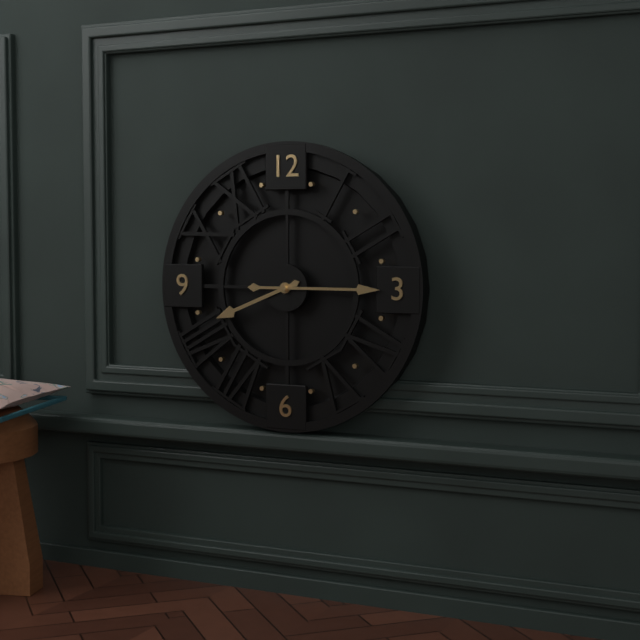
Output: **8:15**
